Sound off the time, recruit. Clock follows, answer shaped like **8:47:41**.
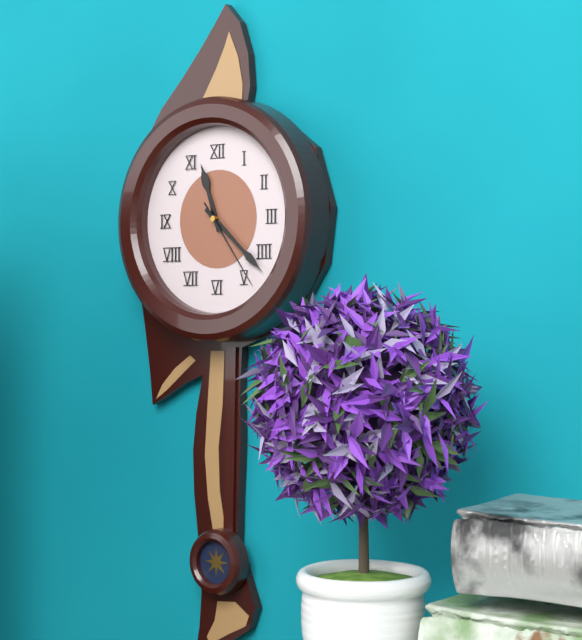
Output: **11:22:24**
